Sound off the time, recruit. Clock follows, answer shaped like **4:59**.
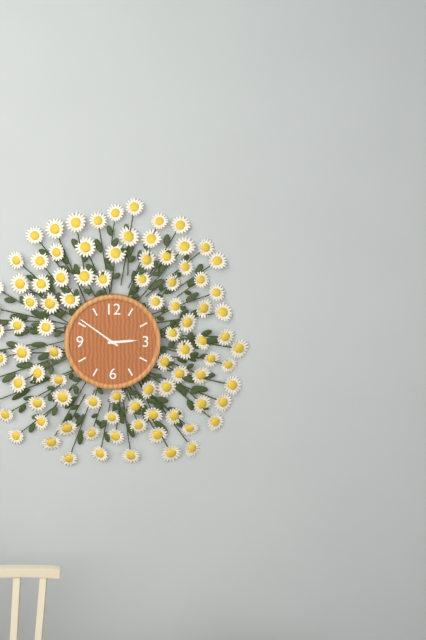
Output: **2:51**
